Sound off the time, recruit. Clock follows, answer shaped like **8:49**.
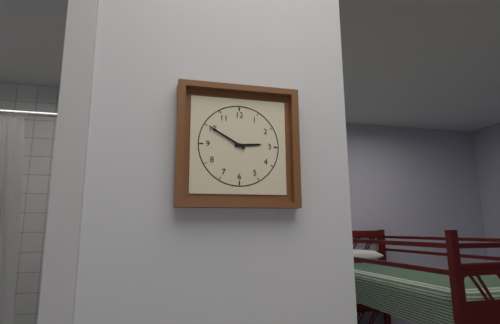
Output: **2:50**
